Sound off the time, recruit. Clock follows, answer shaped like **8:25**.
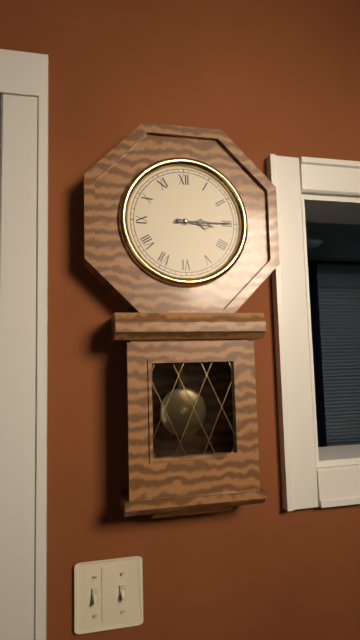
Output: **3:15**
